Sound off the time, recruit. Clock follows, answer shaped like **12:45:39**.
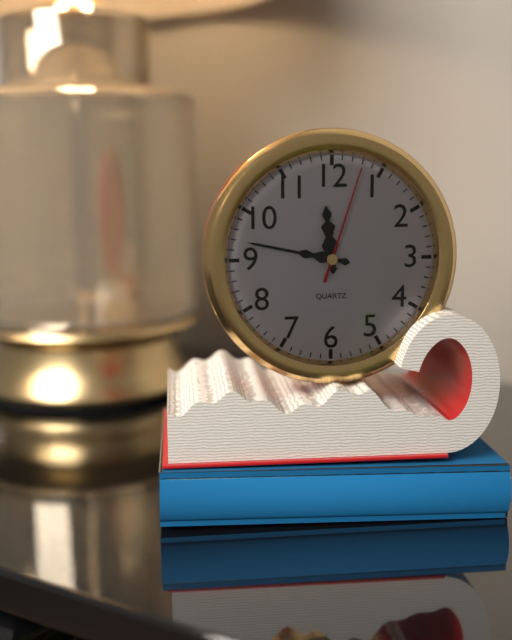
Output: **11:47:03**
